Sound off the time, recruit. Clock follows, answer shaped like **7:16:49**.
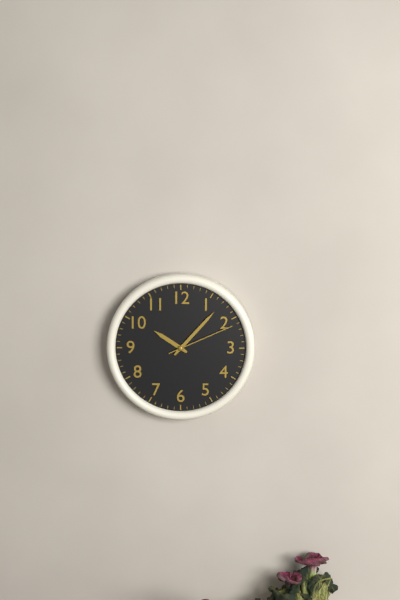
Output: **10:07:11**
